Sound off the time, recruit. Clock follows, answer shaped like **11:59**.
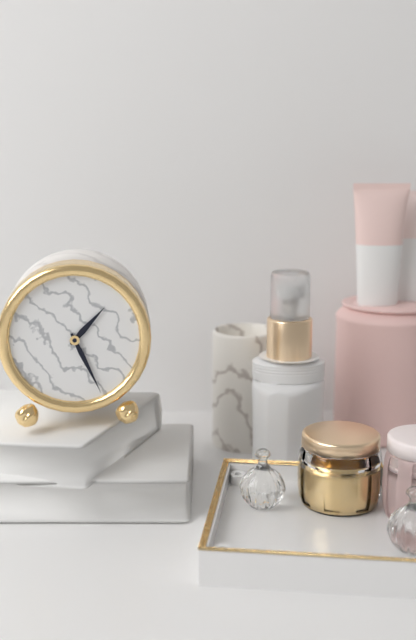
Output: **1:26**
